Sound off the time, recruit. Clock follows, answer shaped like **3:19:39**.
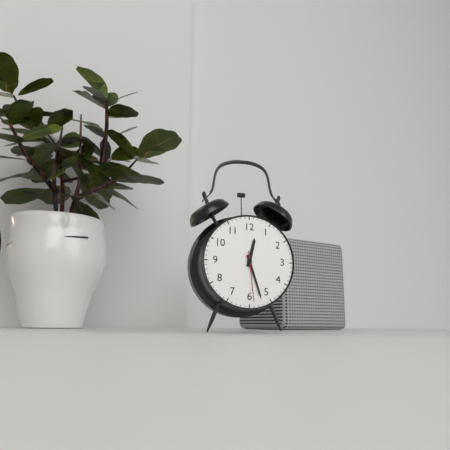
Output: **12:27:29**
